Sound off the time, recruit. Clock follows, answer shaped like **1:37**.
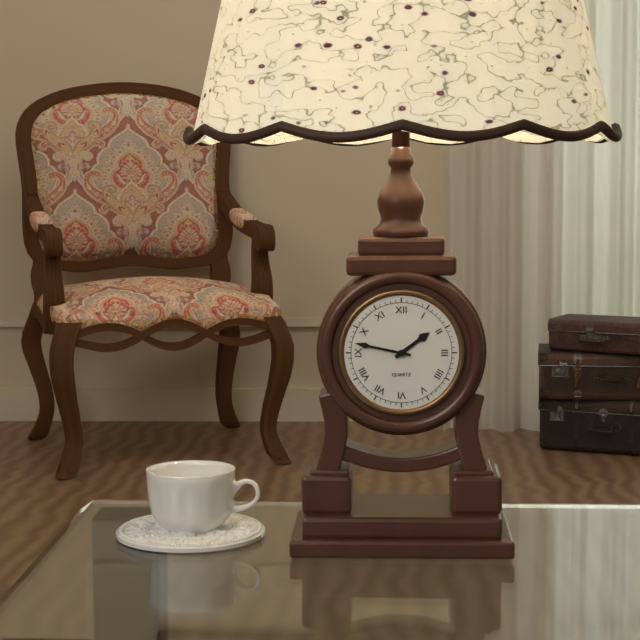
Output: **1:47**
